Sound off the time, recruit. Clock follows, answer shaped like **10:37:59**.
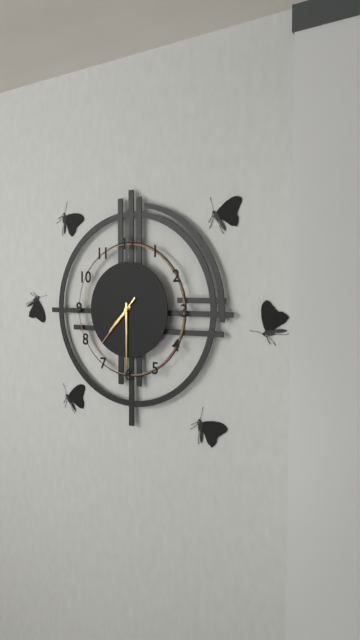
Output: **7:30:37**
